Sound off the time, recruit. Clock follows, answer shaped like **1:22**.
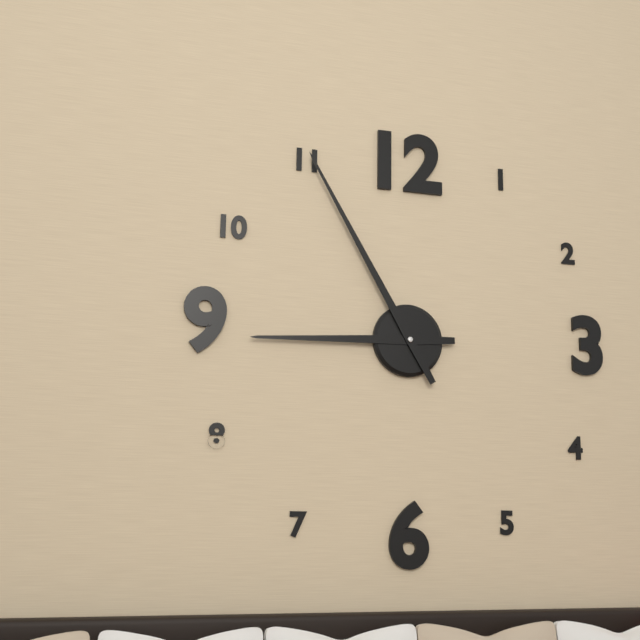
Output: **8:55**
